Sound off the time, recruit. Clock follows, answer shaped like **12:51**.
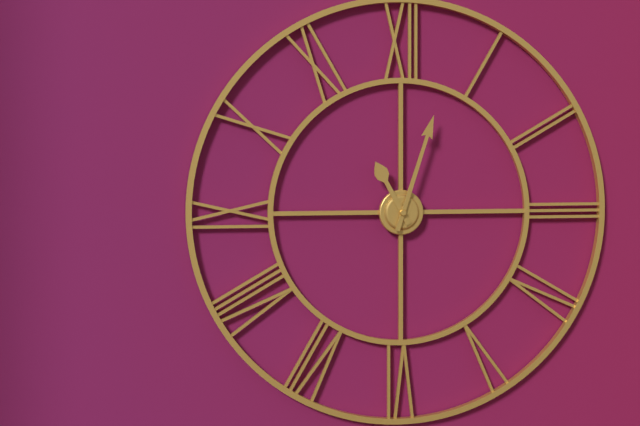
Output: **11:03**
